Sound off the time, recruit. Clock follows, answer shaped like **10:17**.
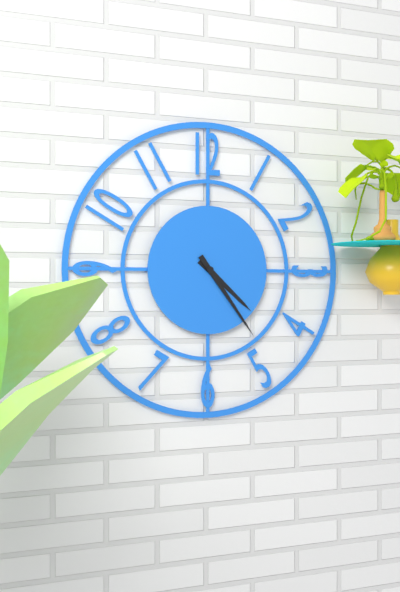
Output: **4:24**
